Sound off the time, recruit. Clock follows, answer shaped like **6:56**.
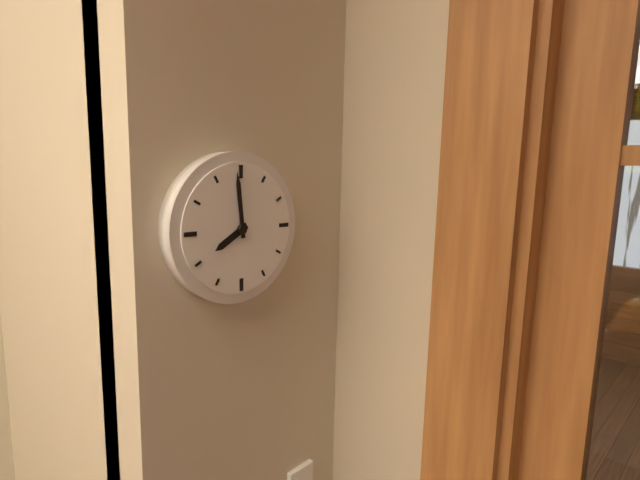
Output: **7:59**
